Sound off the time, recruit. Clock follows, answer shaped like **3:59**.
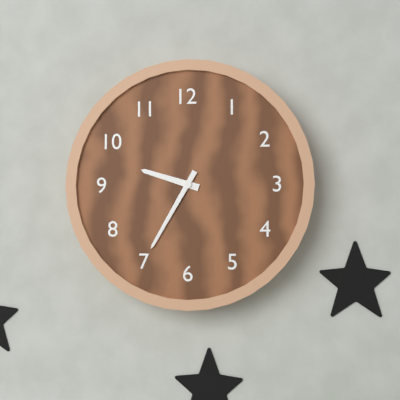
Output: **9:35**
